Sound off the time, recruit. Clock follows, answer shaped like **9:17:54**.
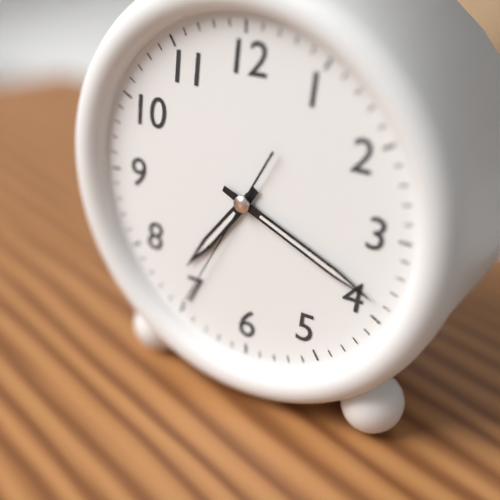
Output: **7:19:35**
